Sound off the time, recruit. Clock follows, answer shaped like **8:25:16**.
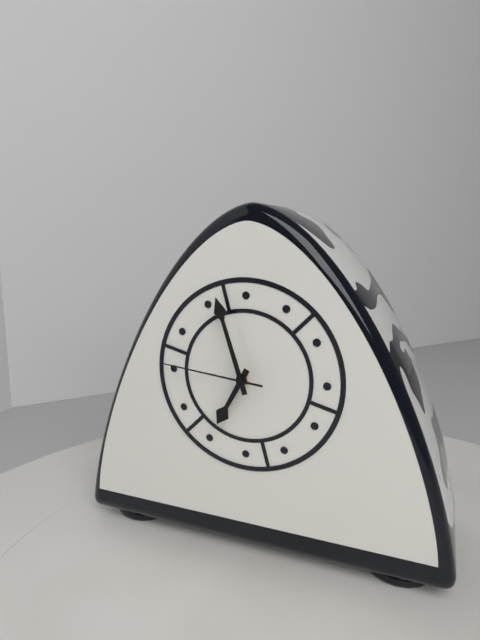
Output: **6:57:46**
